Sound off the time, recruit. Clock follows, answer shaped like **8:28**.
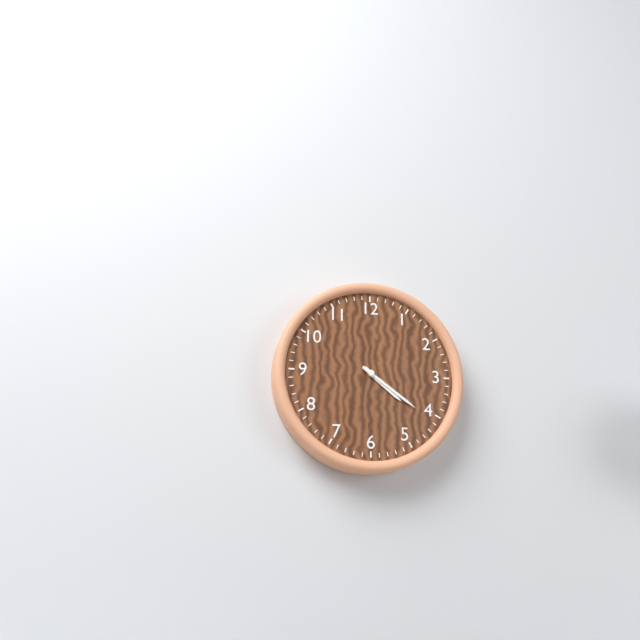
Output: **4:21**
